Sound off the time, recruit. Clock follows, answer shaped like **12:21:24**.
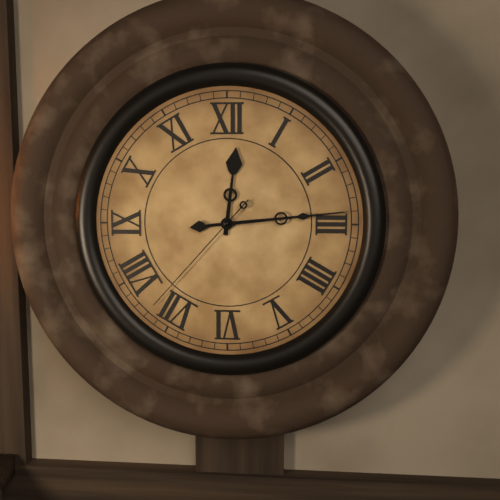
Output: **12:14:37**
